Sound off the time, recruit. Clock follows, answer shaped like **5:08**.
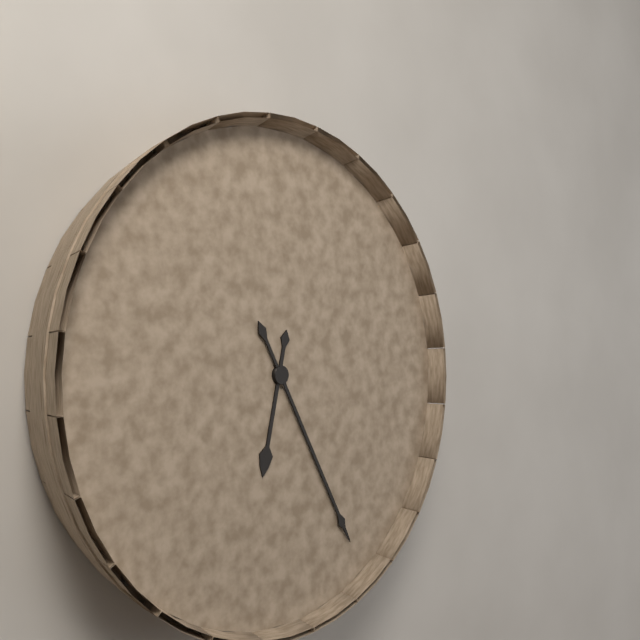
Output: **6:25**
